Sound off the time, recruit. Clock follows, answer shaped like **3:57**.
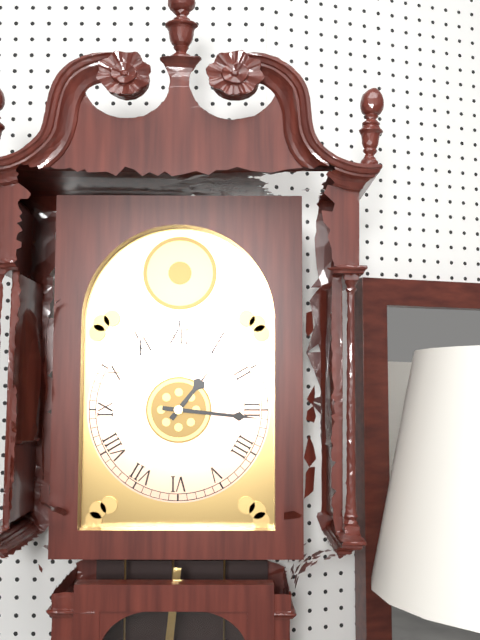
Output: **1:16**
